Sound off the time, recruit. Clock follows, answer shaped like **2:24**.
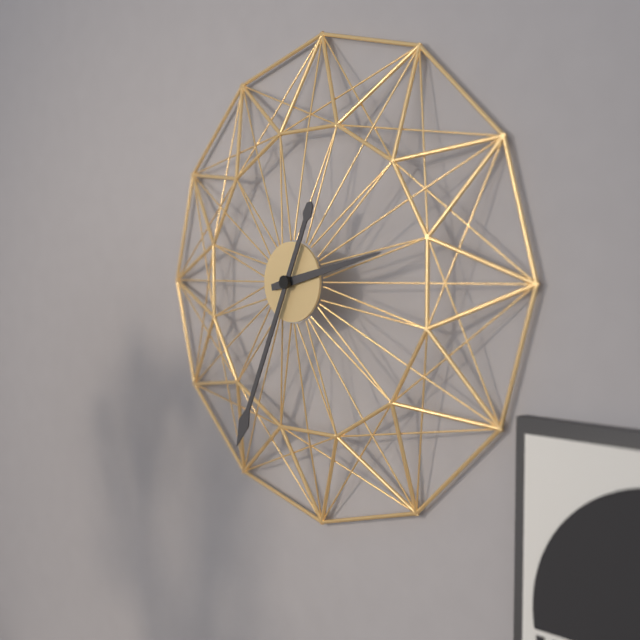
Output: **2:34**
